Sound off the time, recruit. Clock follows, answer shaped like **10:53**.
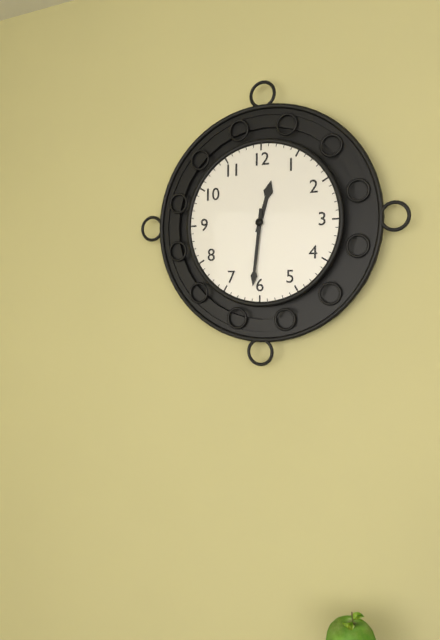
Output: **12:31**
